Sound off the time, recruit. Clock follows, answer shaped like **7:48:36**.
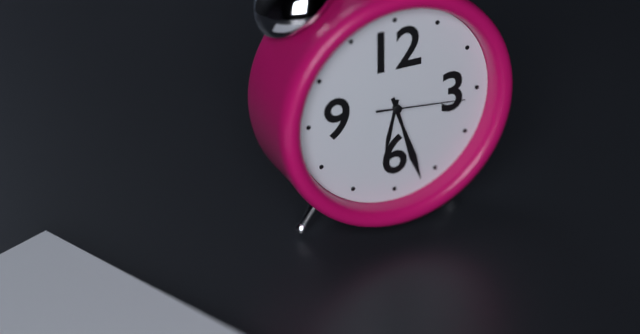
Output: **6:27:16**
